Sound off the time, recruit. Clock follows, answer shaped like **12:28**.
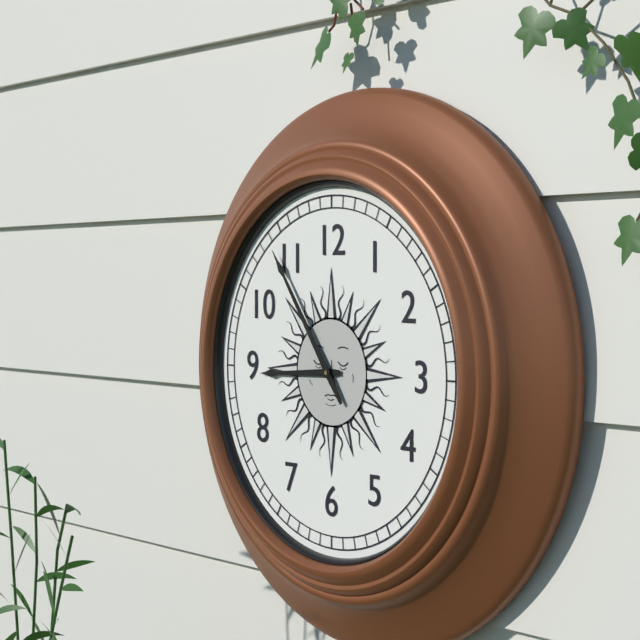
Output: **8:54**
